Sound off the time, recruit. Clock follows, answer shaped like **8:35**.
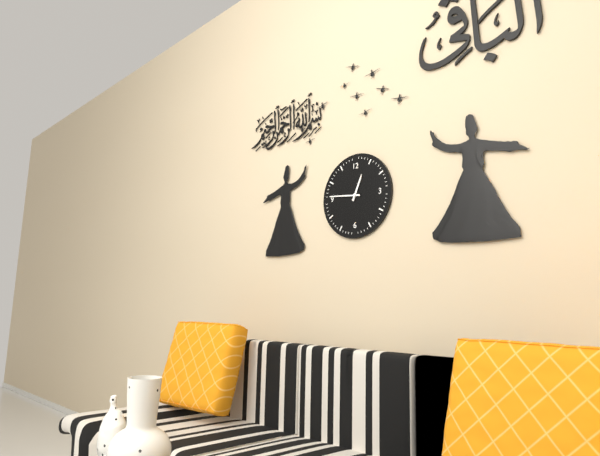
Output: **12:46**
